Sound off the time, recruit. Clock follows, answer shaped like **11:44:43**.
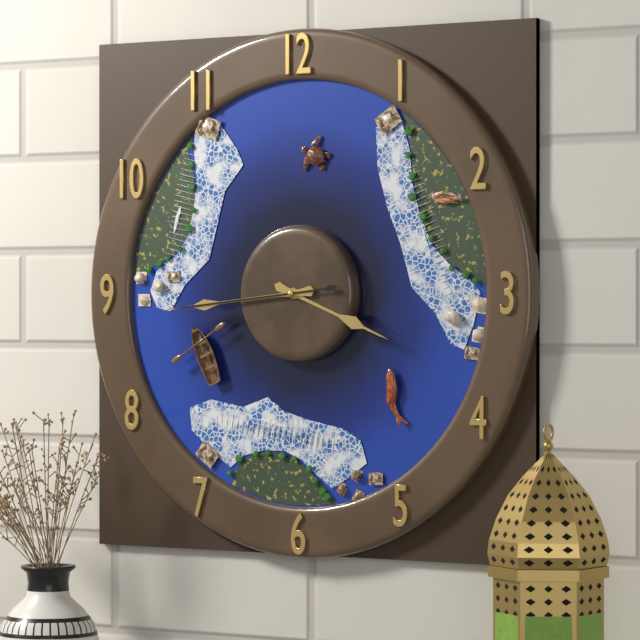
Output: **3:44:44**
